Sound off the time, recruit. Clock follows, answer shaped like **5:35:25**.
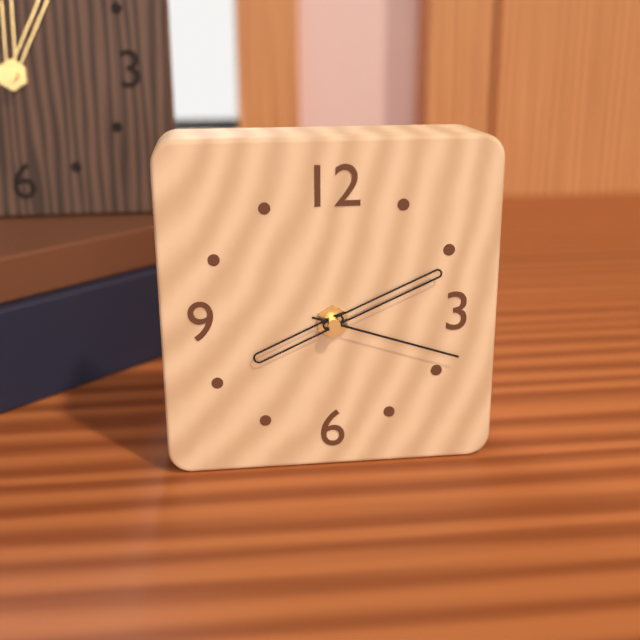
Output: **8:11:18**
